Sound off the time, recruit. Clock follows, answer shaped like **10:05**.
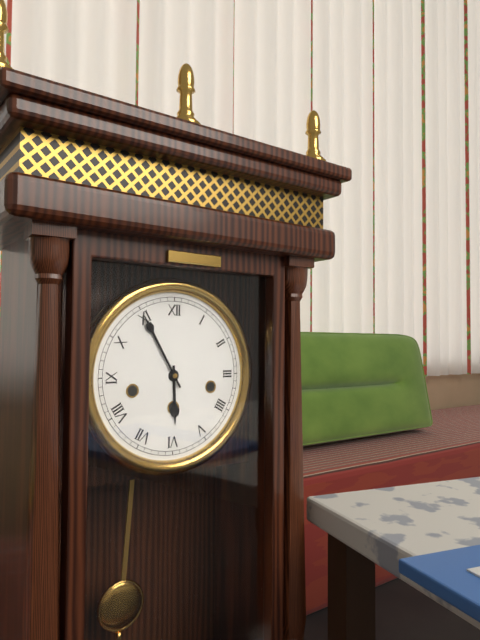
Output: **5:55**
